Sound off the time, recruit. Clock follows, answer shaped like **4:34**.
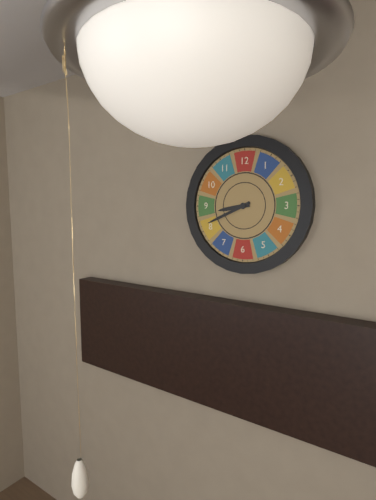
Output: **8:41**
